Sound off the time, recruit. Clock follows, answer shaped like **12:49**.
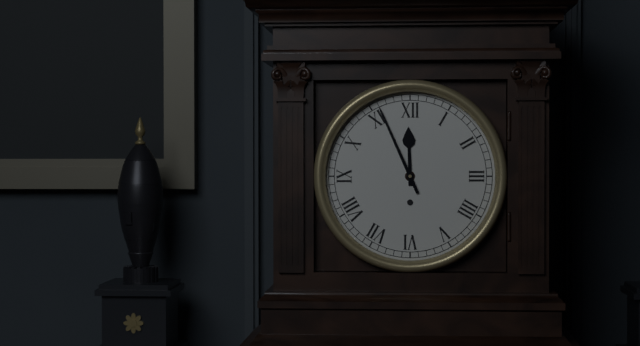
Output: **11:56**
